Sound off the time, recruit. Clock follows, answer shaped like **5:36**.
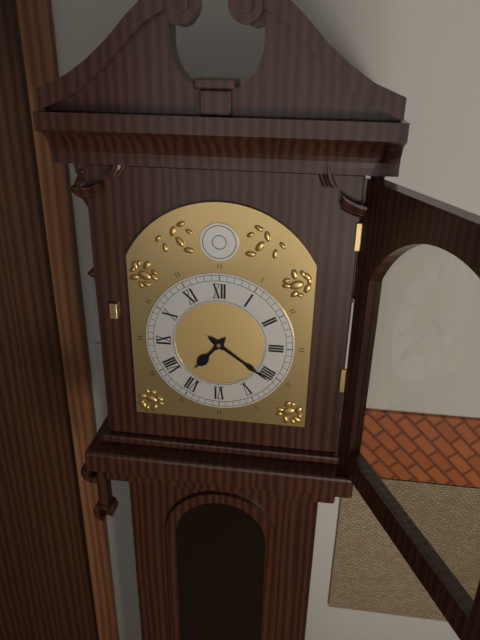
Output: **7:21**
